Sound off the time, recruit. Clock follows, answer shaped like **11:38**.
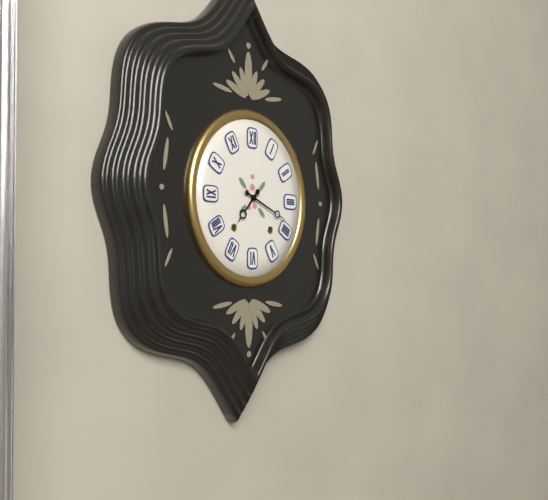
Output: **7:19**
